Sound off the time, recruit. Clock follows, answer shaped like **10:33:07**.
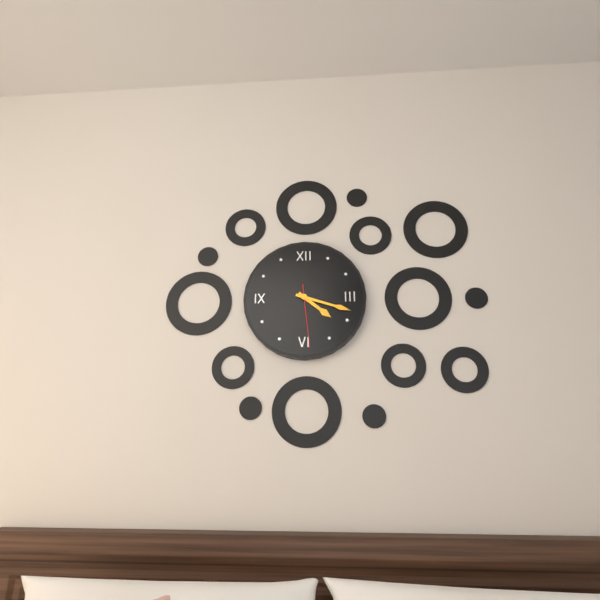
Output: **4:18:29**
